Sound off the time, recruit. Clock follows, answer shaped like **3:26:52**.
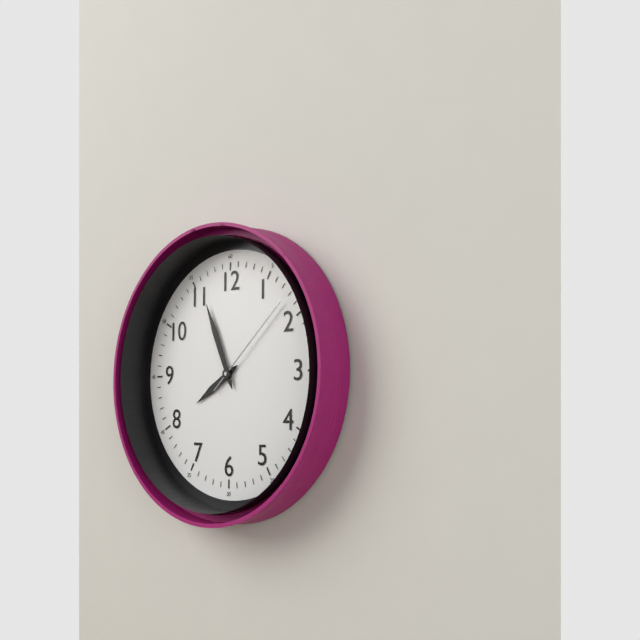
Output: **7:56:08**
